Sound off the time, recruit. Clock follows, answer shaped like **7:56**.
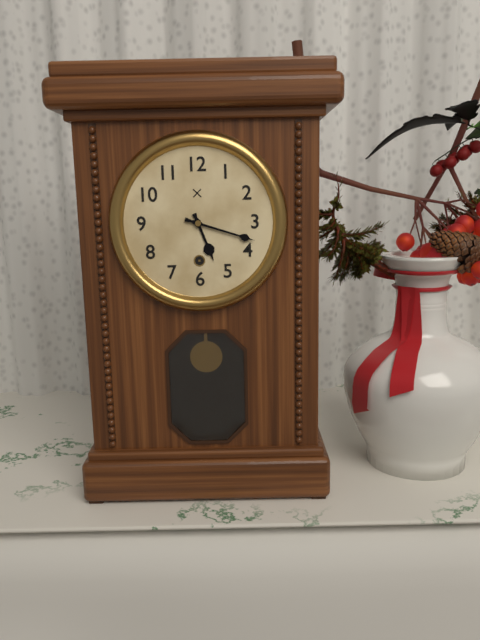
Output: **5:18**
